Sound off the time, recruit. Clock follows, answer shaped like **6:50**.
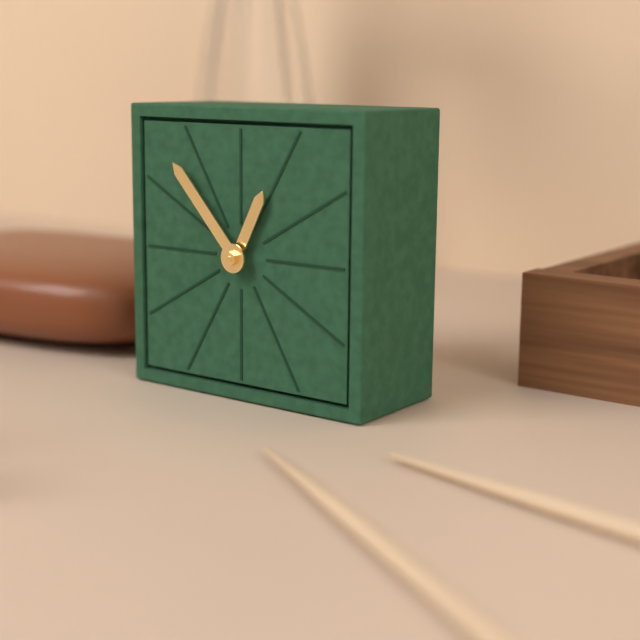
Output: **12:53**
